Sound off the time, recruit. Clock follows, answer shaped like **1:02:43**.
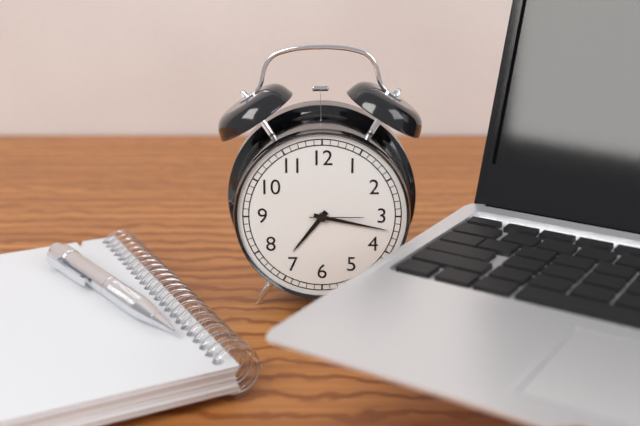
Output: **7:17:15**
